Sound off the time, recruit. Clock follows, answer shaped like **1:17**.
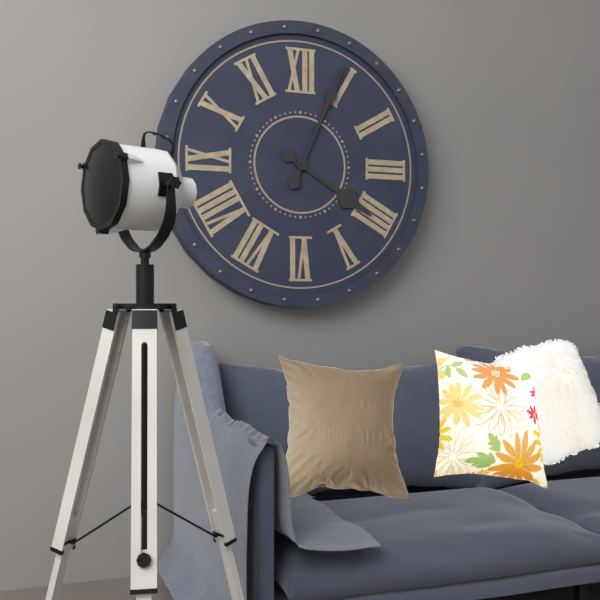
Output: **4:04**
